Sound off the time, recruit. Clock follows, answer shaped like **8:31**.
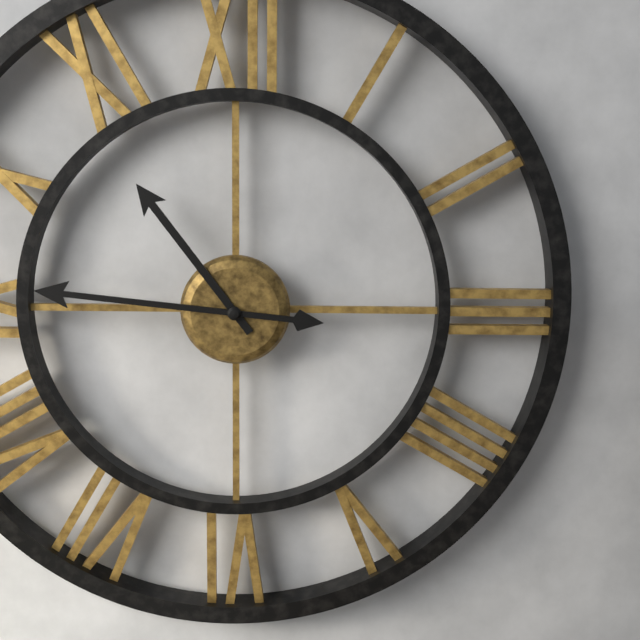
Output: **10:46**
